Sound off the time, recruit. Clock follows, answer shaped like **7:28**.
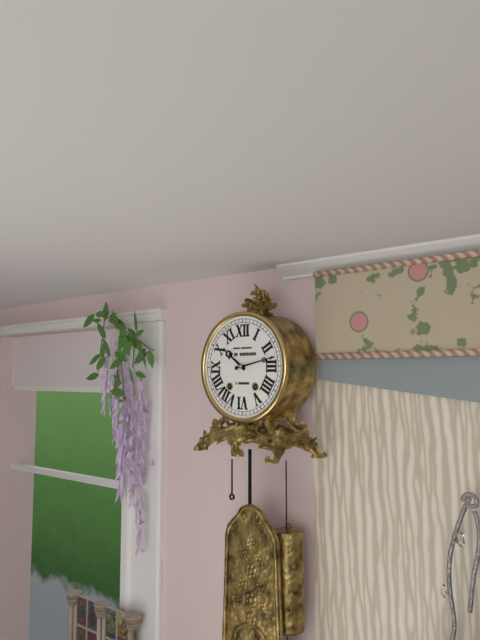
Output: **10:13**
